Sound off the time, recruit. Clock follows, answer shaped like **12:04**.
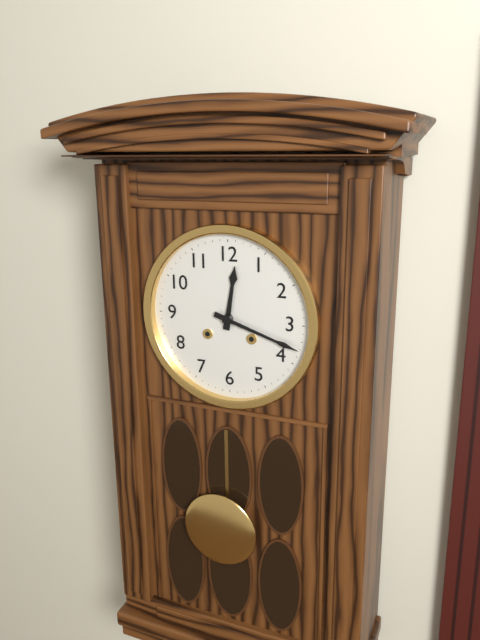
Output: **12:18**
